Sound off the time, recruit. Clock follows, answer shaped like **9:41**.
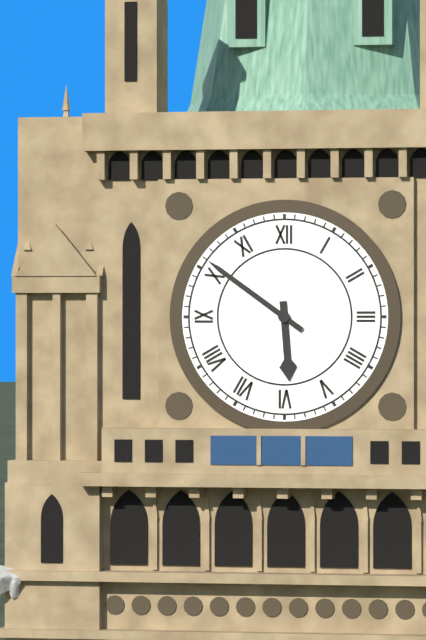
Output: **5:51**
